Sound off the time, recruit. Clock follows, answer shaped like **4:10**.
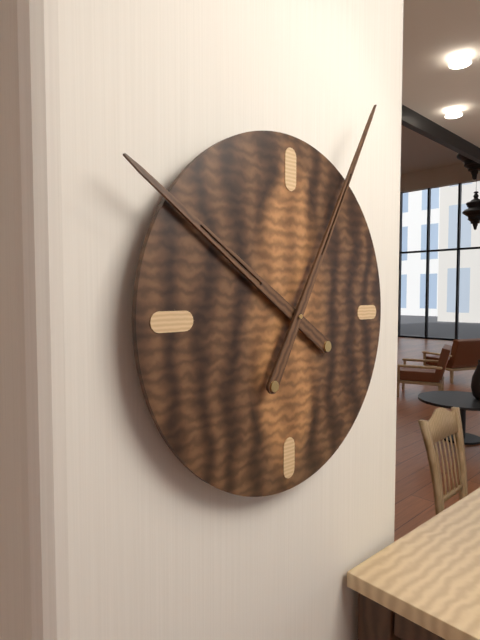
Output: **10:05**
